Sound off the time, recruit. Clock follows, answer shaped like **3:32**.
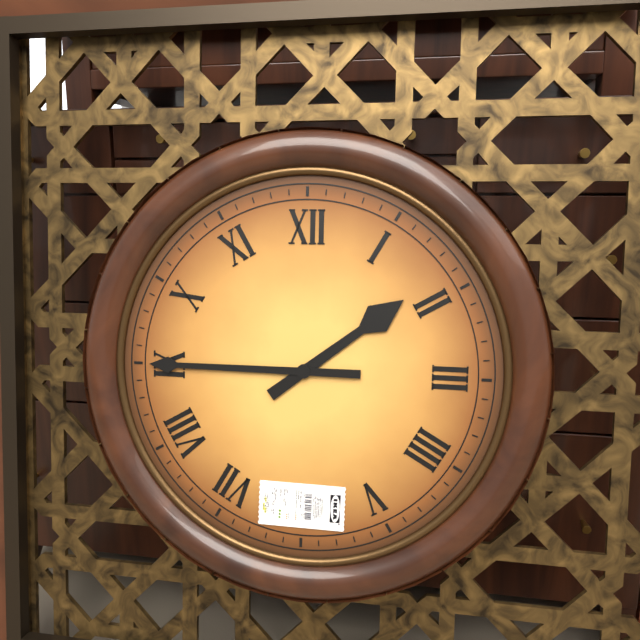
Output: **1:45**
